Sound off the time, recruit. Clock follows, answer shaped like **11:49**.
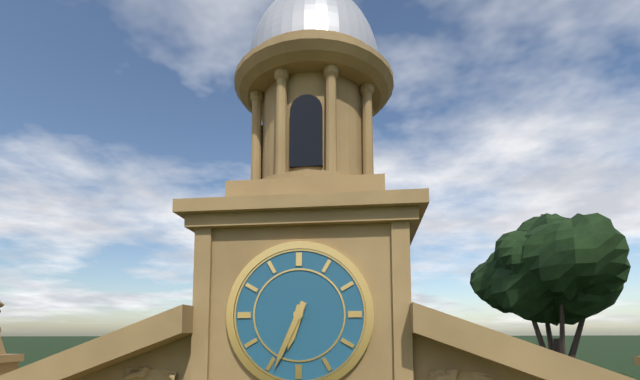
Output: **6:34**
